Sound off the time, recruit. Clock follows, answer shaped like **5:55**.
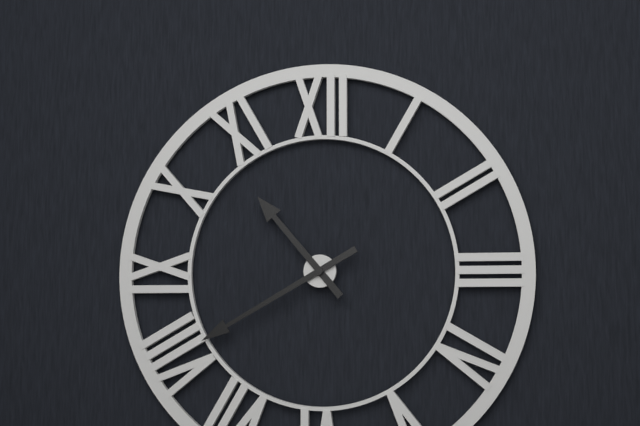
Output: **10:40**
